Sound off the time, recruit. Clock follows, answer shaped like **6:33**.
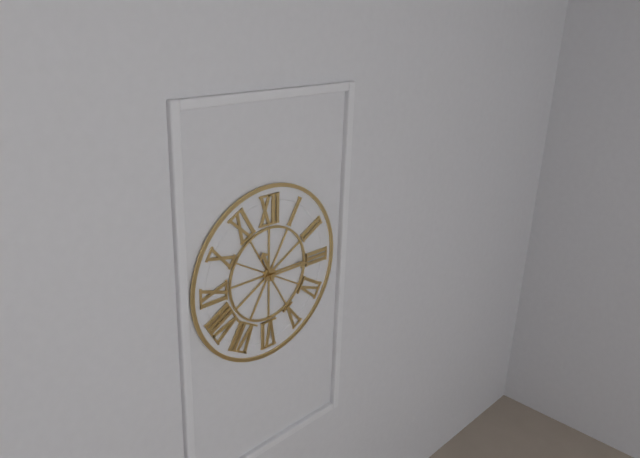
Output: **11:15**
